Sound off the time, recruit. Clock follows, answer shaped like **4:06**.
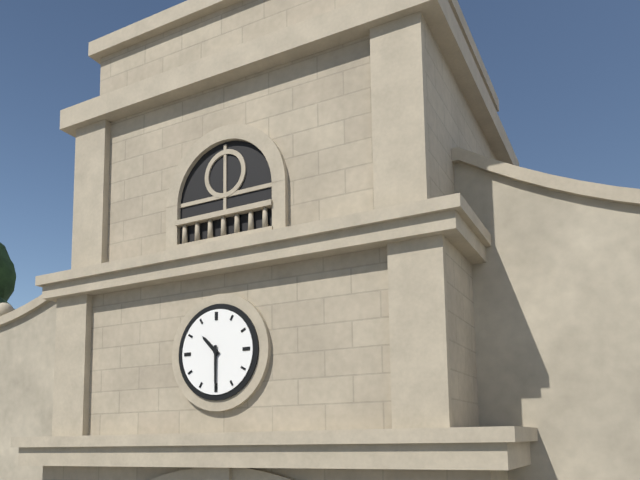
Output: **10:30**
